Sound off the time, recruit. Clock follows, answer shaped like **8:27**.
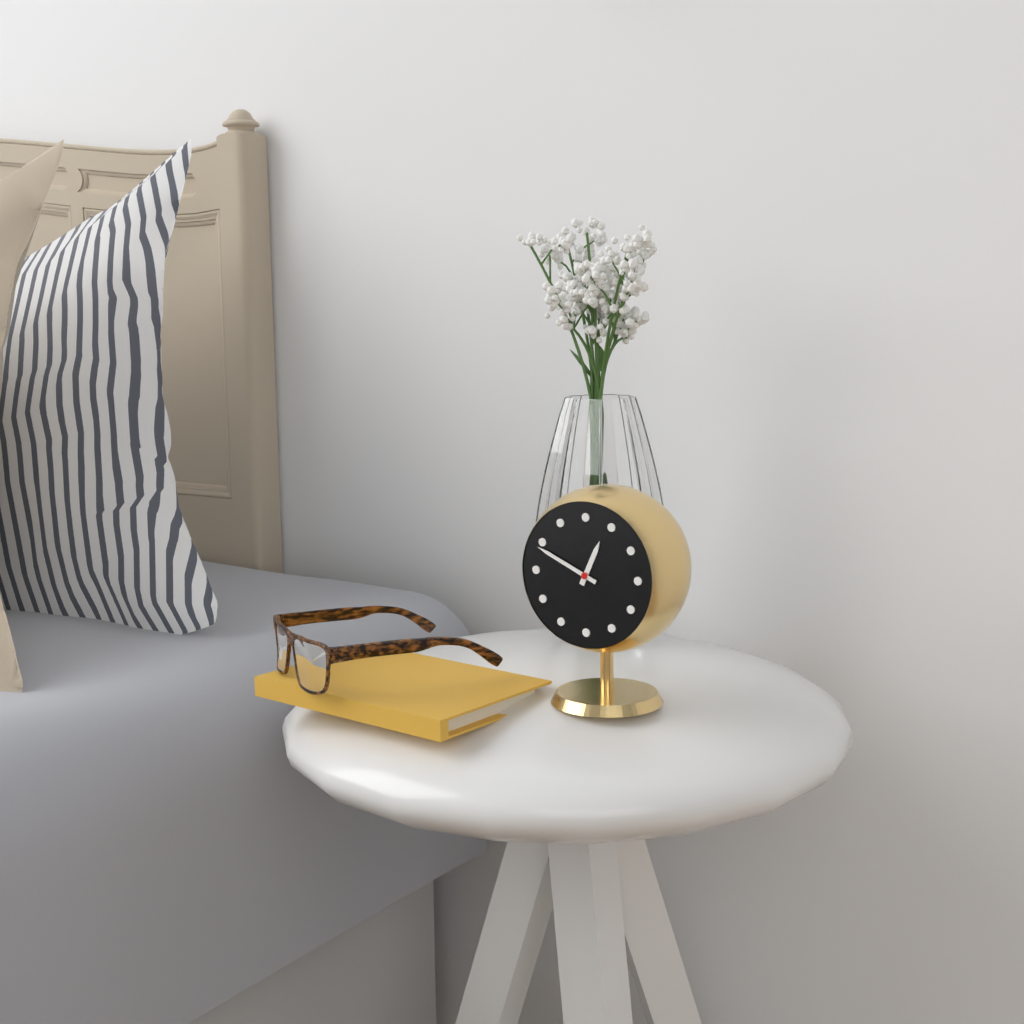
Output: **12:49**
